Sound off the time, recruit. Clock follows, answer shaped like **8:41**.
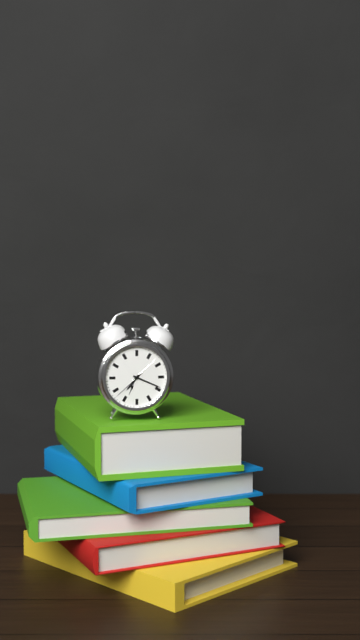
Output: **7:19**
